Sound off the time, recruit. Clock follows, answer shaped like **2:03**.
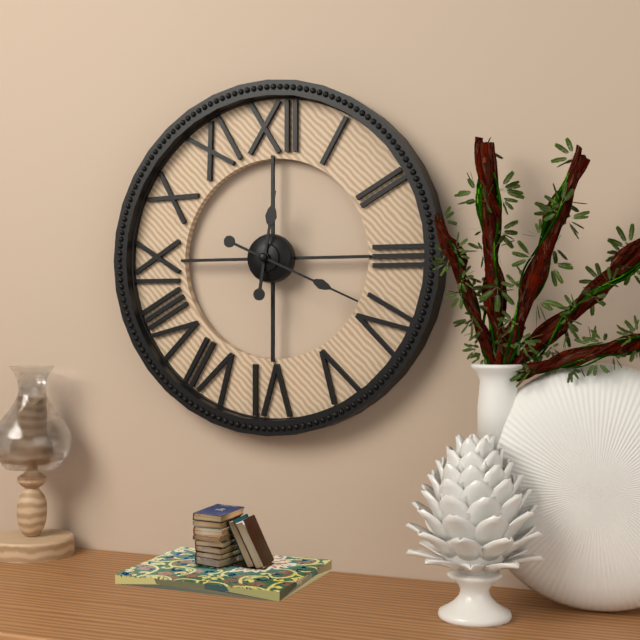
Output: **12:19**
